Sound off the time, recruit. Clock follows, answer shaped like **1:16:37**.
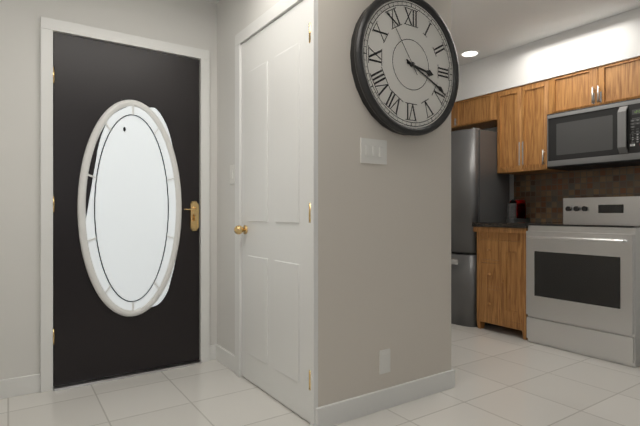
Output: **3:19:54**
